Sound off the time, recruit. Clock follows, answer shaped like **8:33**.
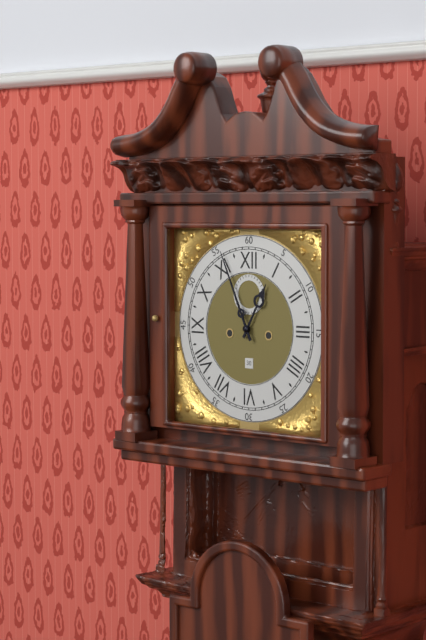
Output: **12:56**
